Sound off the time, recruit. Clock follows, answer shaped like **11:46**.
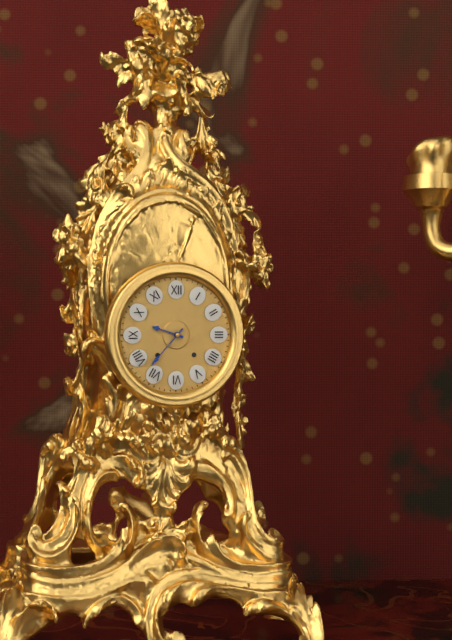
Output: **9:37**
